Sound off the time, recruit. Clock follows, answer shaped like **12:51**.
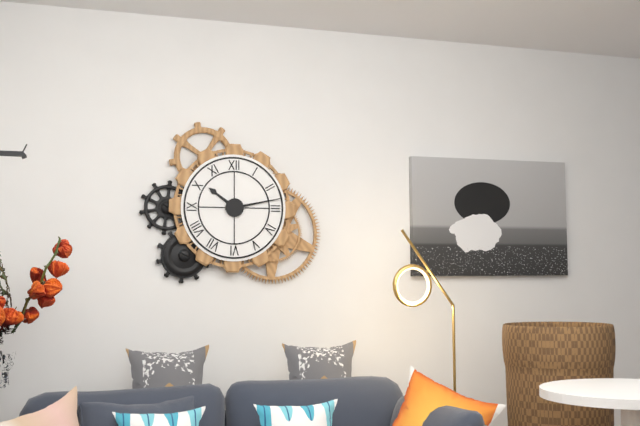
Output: **10:13**
